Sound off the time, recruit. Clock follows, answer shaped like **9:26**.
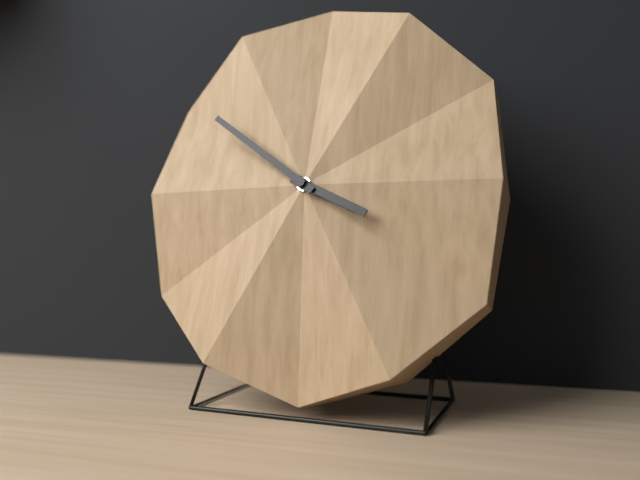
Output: **3:51**
